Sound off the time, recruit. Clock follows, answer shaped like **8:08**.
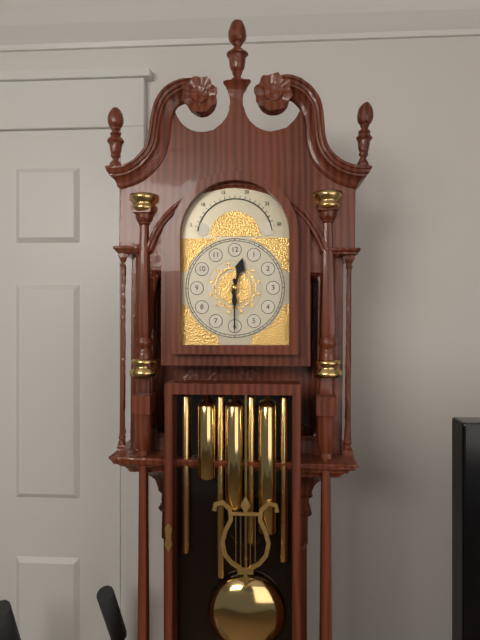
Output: **12:30**
